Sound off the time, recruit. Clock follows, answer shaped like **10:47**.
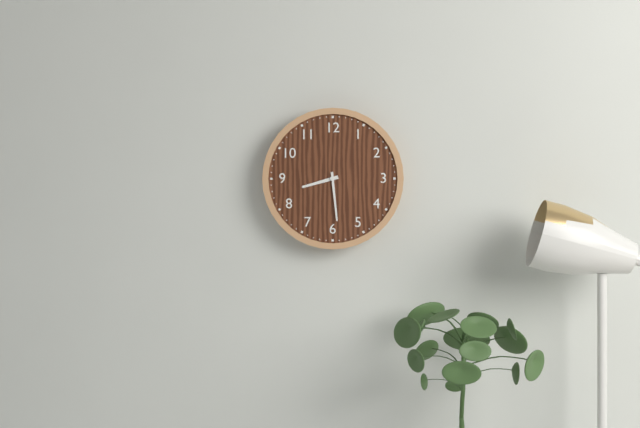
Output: **8:29**
